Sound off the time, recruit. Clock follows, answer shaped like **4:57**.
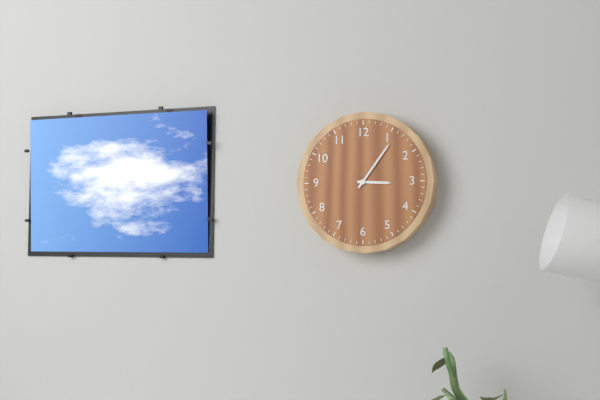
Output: **3:06**
